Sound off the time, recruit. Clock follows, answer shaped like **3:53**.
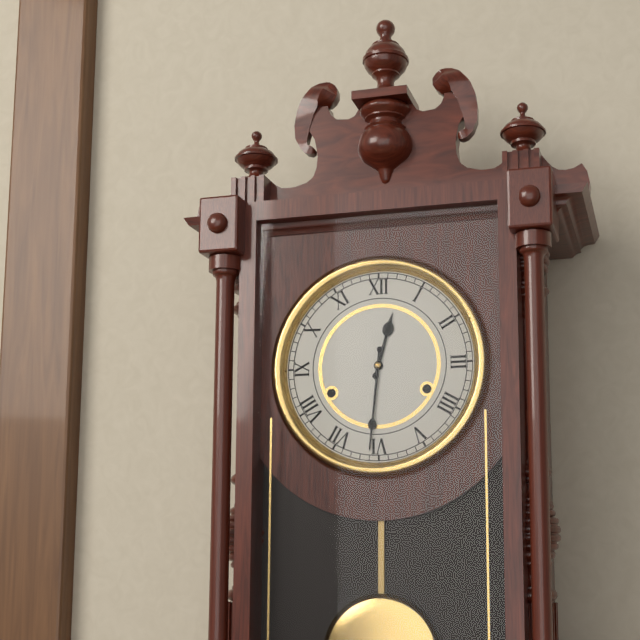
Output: **12:31**
